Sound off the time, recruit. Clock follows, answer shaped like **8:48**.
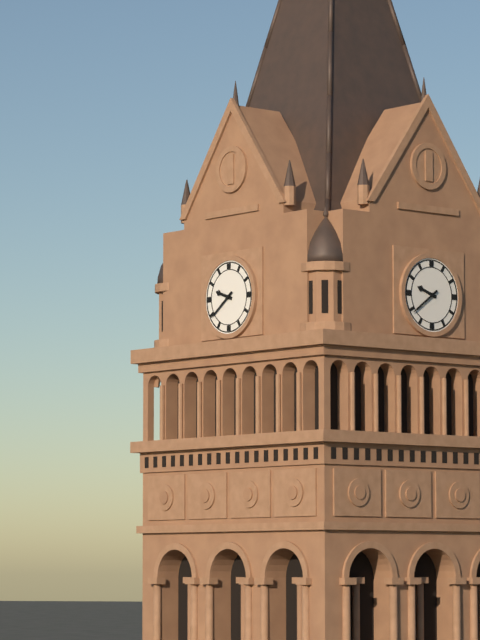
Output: **9:39**
